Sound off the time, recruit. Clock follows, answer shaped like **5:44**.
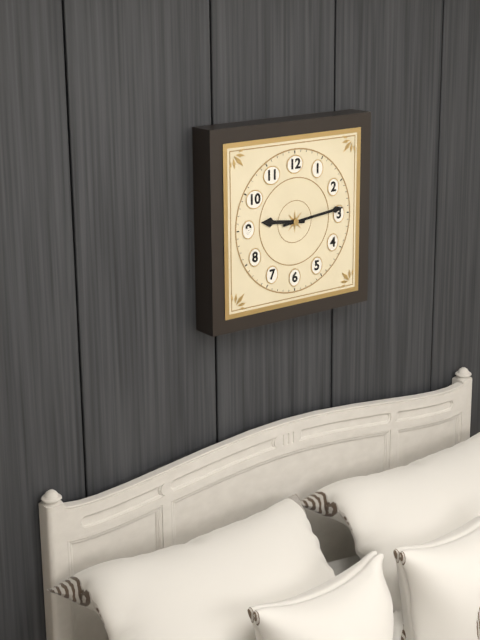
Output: **9:14**
